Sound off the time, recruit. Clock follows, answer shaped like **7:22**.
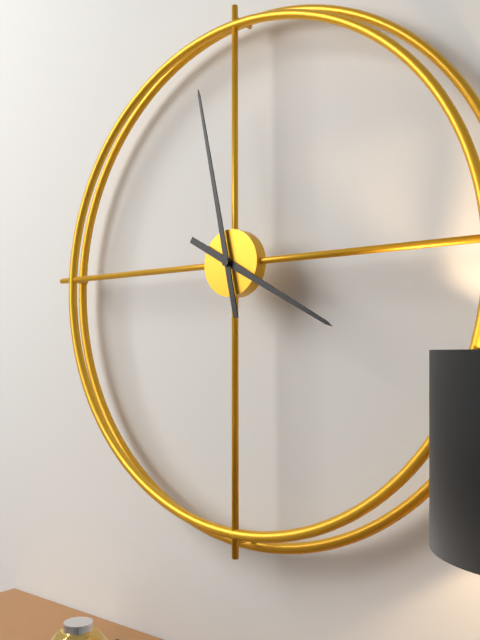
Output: **3:58**
